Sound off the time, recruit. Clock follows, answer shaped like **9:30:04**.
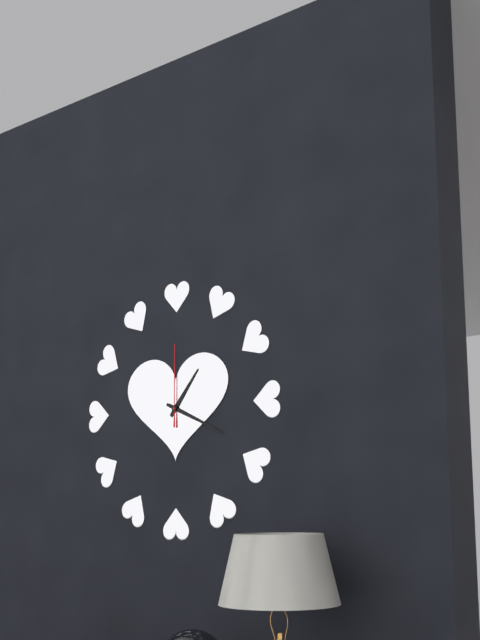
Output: **1:19:00**
